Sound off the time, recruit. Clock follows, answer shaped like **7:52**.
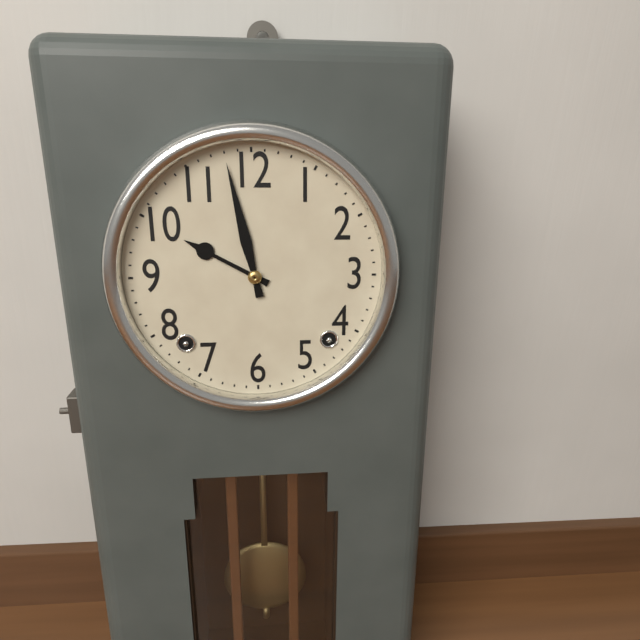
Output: **9:58**
